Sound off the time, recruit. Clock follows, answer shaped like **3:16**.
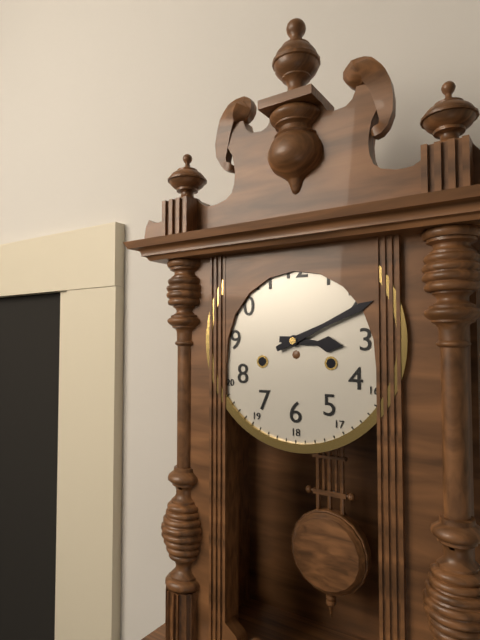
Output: **3:11**
